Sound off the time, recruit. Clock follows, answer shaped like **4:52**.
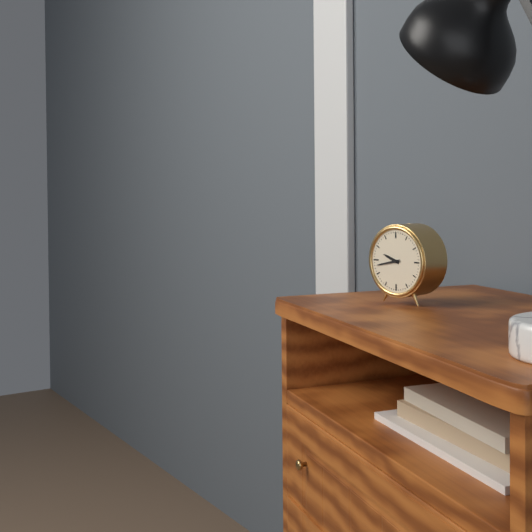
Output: **9:43**
